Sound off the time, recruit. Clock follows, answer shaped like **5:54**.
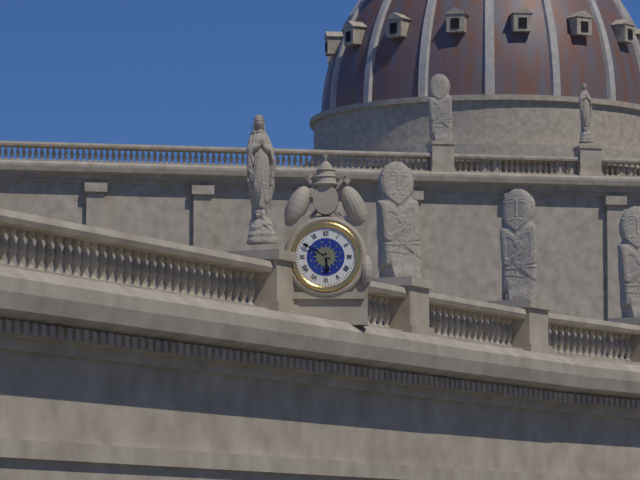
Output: **5:50**
